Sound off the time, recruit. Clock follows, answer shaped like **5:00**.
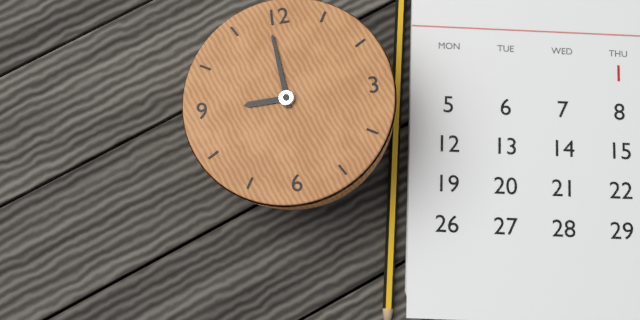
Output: **8:59**
